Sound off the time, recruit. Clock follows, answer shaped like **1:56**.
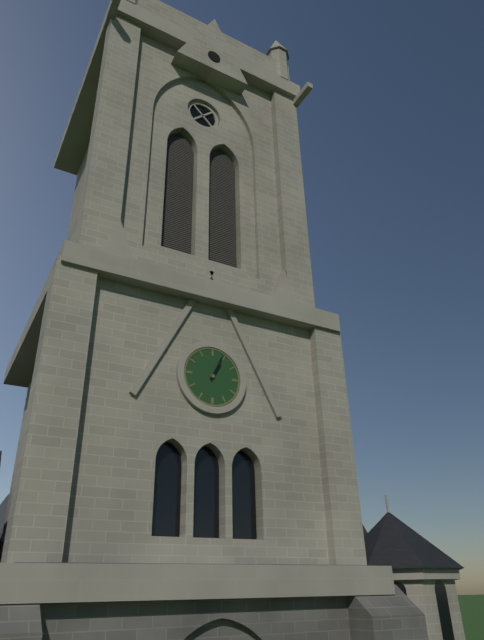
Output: **1:04**
